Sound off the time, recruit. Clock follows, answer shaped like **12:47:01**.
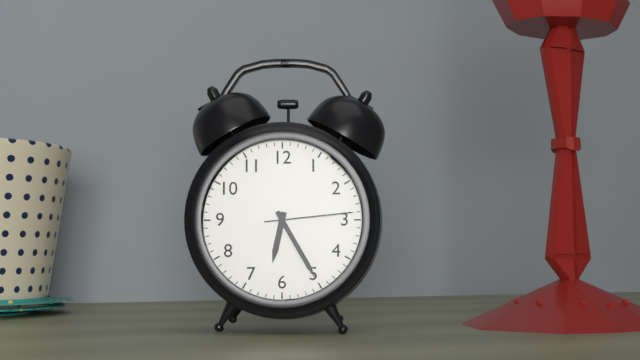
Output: **6:25:14**
